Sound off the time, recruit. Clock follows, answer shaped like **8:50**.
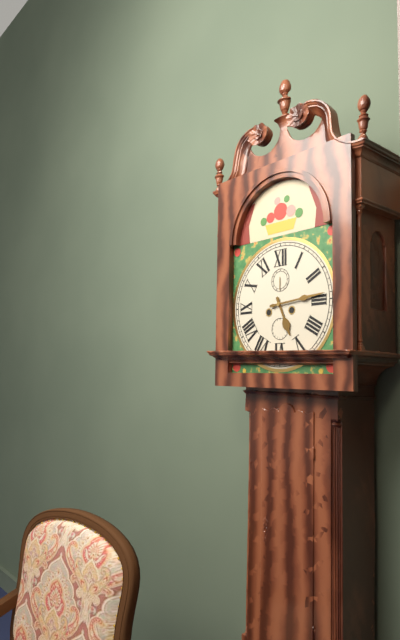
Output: **5:14**
